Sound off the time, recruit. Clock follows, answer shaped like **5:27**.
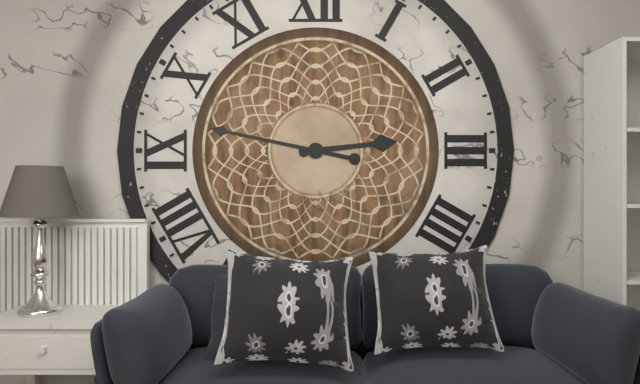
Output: **2:47**
